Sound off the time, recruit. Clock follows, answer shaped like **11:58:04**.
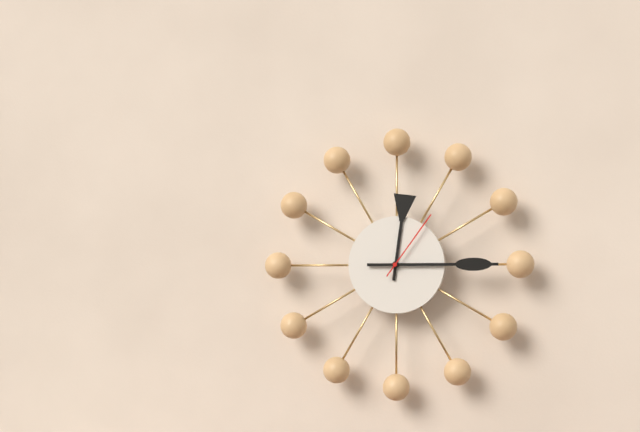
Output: **12:15:06**
